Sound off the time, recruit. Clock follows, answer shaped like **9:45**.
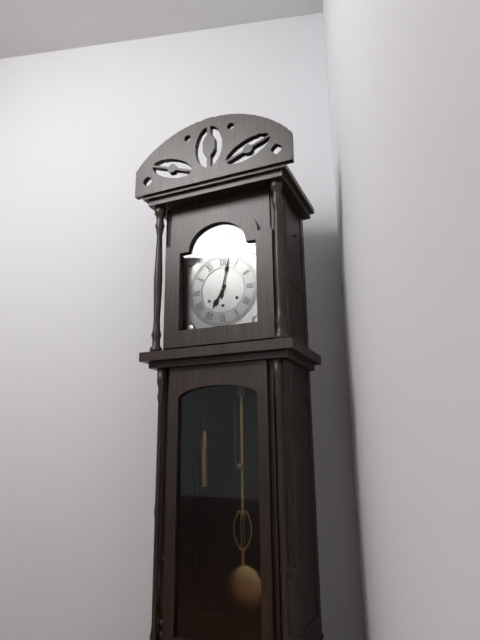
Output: **7:02**
